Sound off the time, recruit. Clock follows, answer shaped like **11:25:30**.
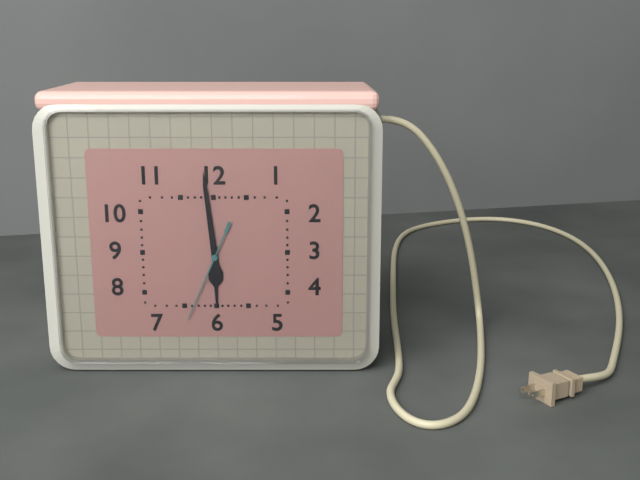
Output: **5:59:34**
